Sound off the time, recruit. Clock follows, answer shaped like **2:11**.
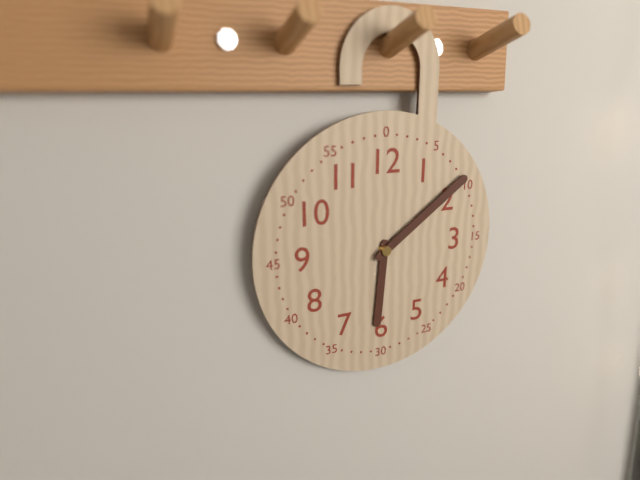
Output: **6:09**
